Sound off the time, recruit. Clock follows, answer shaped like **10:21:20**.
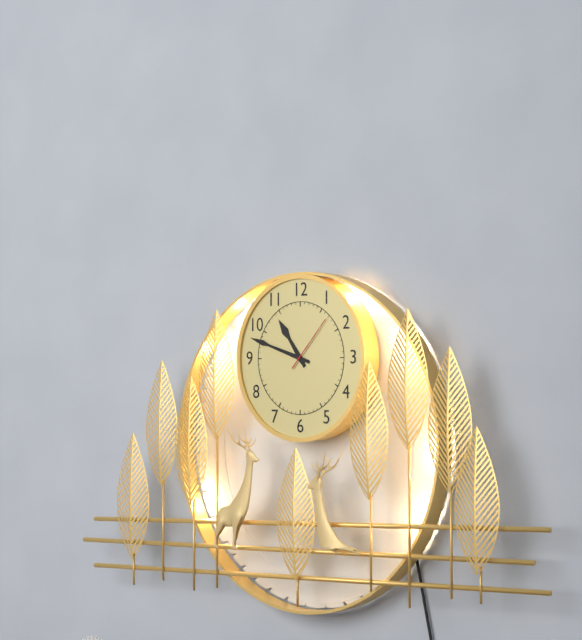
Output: **10:48:07**
